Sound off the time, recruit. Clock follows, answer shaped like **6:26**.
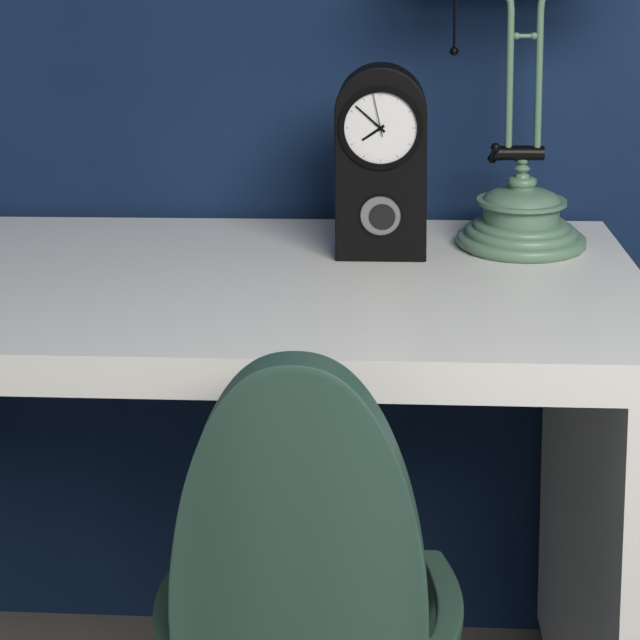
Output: **7:52**
